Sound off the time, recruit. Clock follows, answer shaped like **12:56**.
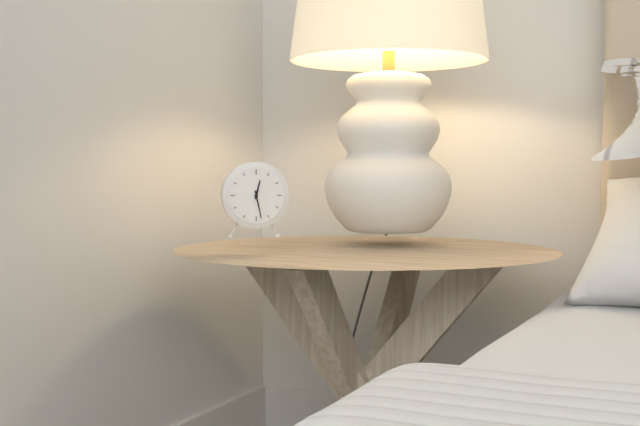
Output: **12:28**
